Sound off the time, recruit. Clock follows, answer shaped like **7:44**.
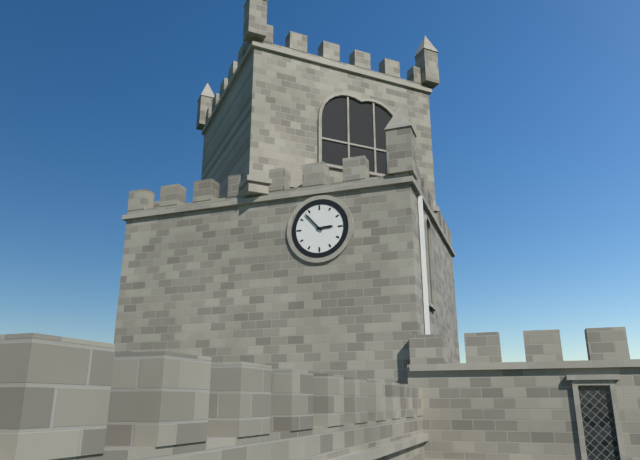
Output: **2:53**
